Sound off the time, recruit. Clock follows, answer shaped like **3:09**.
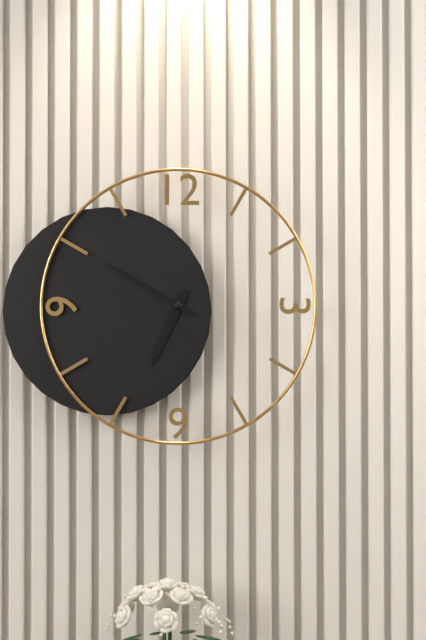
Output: **6:50**
